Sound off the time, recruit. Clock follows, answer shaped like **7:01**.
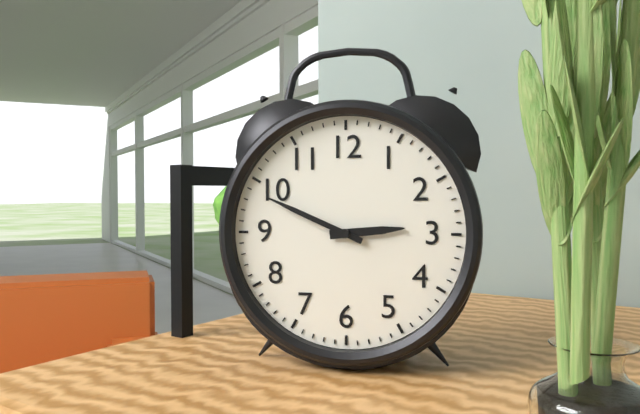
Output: **2:49**
